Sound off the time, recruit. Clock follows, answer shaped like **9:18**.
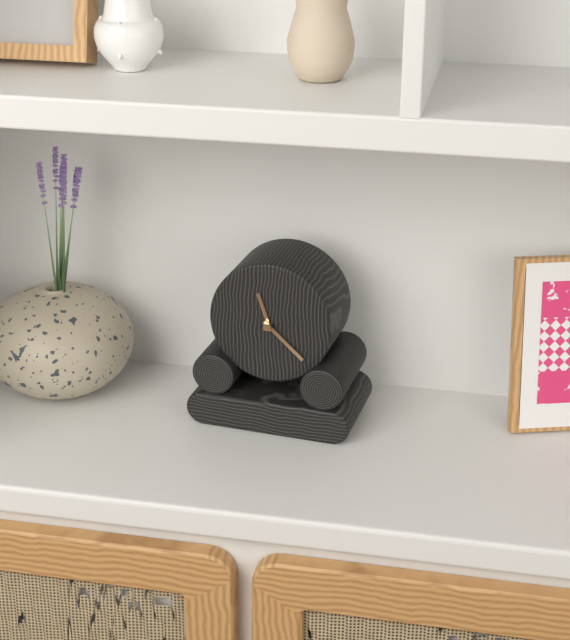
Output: **11:22**
